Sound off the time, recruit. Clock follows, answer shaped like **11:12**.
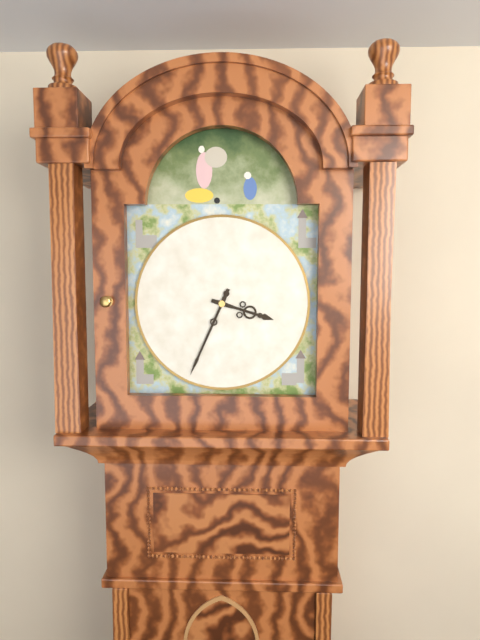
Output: **3:34**
